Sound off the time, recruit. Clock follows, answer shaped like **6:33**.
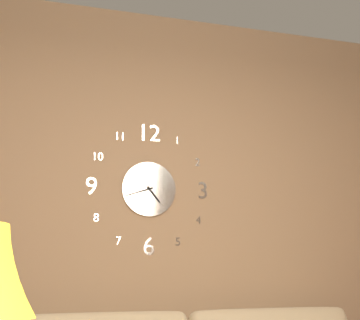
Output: **4:42**
